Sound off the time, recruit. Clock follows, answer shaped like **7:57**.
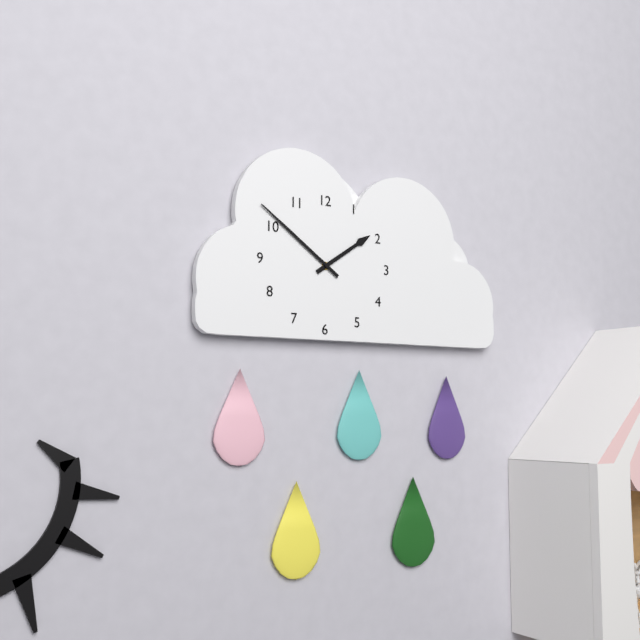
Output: **1:51**
